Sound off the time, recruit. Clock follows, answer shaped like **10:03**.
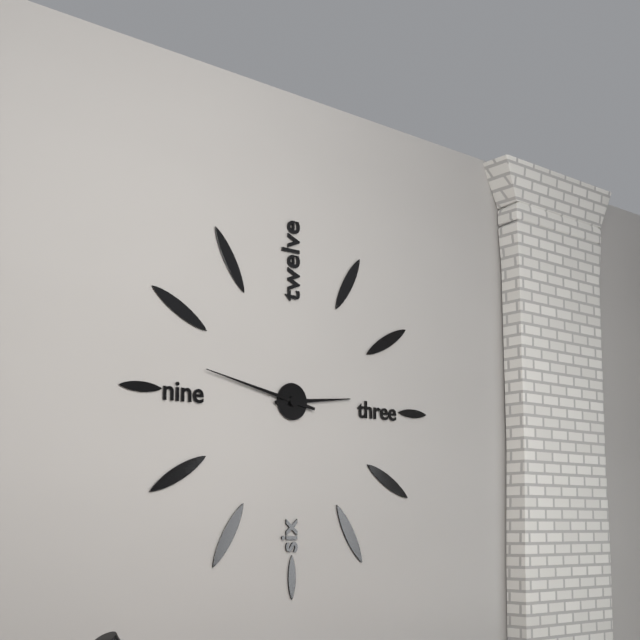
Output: **2:47**
